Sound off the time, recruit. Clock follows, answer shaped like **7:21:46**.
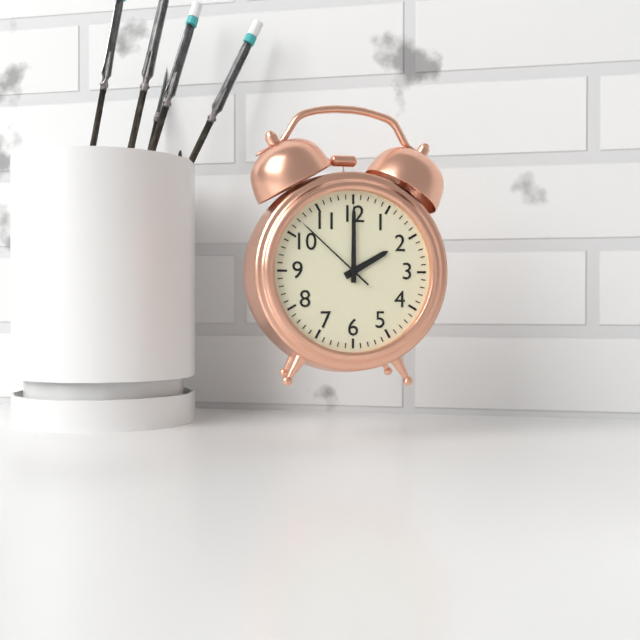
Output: **2:00:52**
